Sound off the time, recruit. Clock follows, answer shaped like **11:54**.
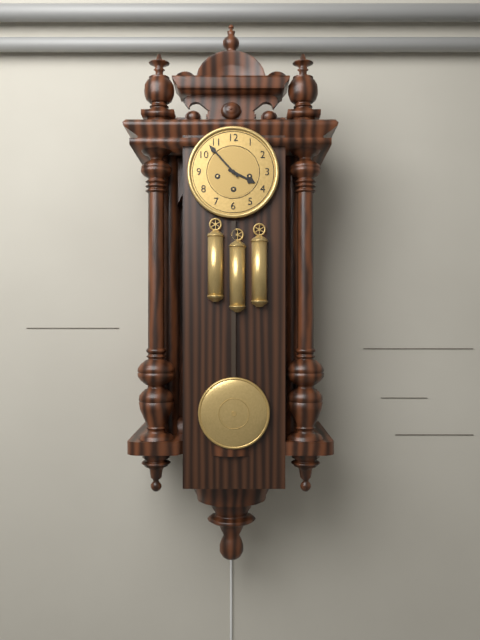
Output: **3:53**
